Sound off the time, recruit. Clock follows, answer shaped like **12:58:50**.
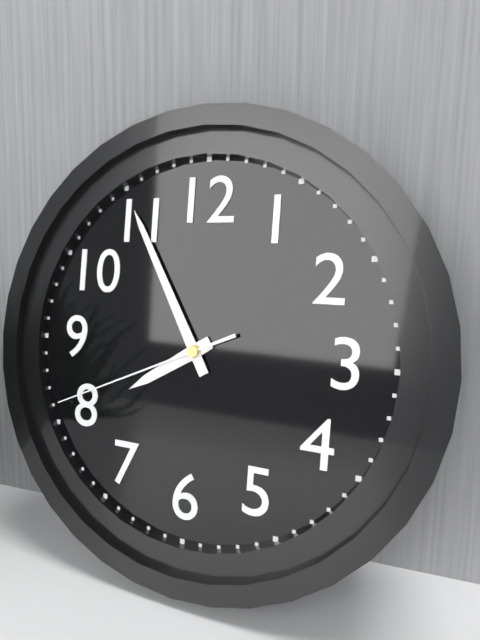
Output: **7:55:41**
